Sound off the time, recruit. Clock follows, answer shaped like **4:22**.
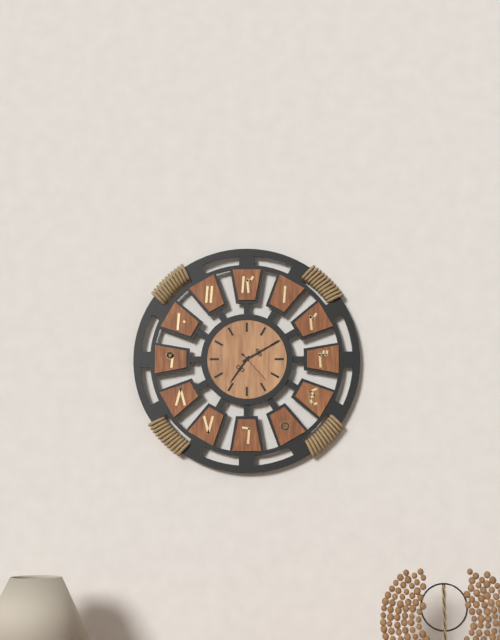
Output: **7:10**
